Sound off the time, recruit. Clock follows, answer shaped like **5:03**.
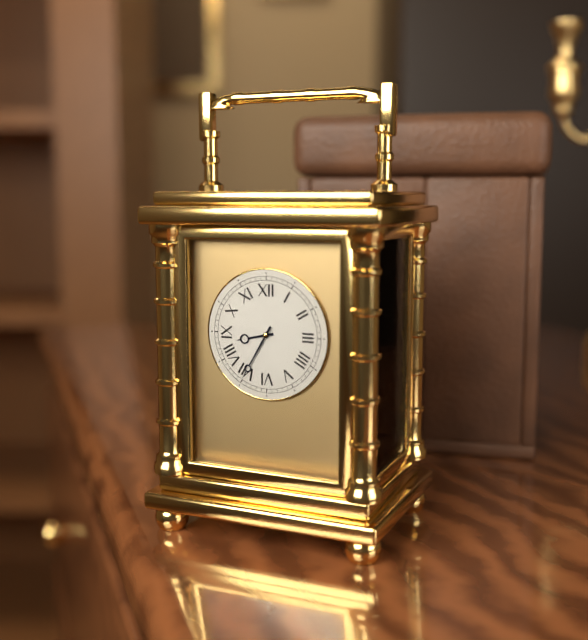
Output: **8:35**
